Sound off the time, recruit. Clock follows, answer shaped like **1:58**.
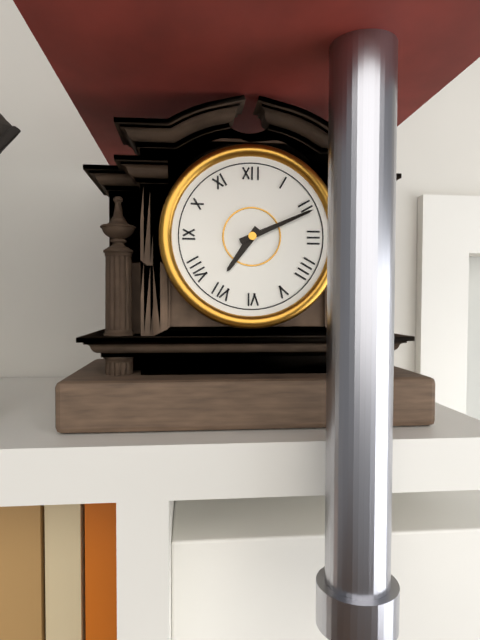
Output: **7:11**
